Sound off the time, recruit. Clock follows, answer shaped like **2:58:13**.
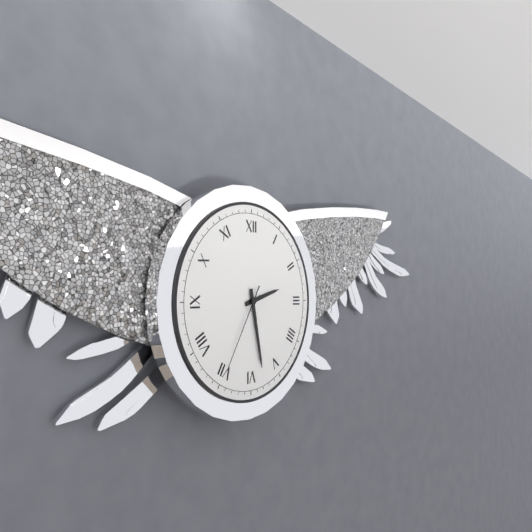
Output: **2:28:35**
